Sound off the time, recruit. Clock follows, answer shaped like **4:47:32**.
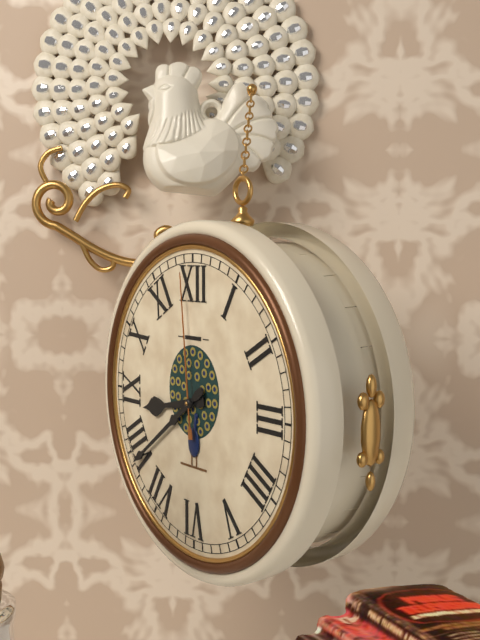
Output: **8:39:59**
